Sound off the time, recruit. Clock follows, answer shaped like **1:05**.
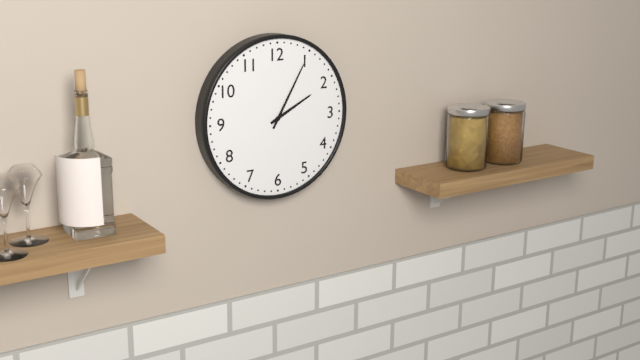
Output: **2:05**
